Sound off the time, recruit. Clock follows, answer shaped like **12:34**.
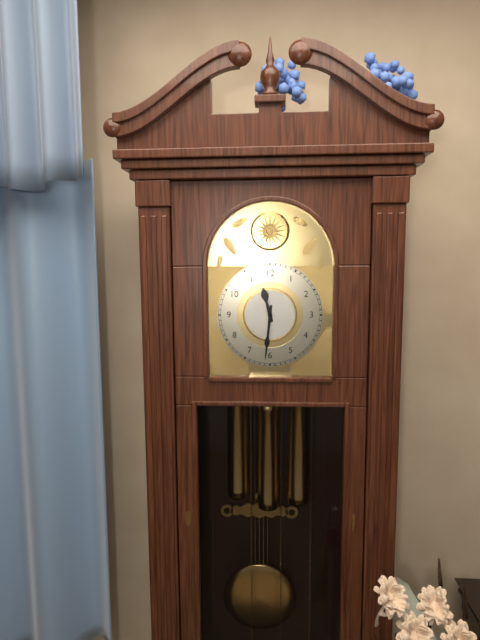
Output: **11:31**
